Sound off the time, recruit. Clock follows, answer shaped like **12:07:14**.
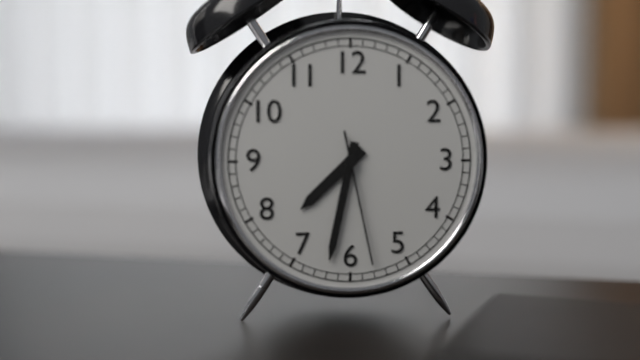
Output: **7:32:28**
